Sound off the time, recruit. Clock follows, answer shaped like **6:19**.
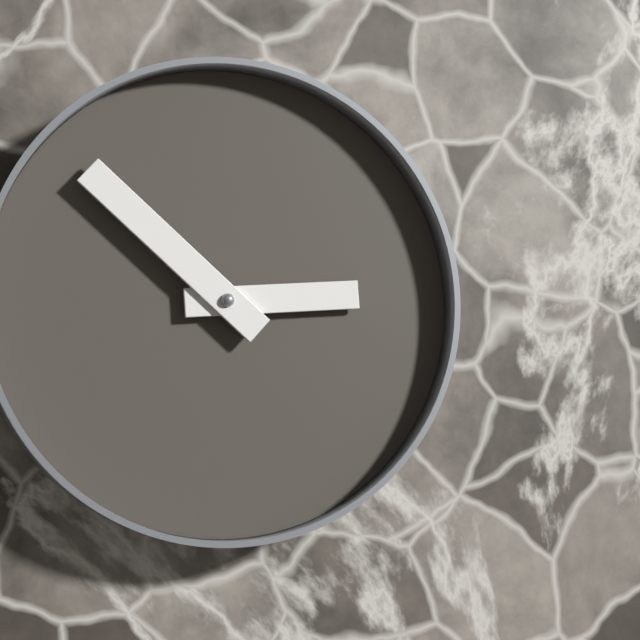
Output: **2:52**
